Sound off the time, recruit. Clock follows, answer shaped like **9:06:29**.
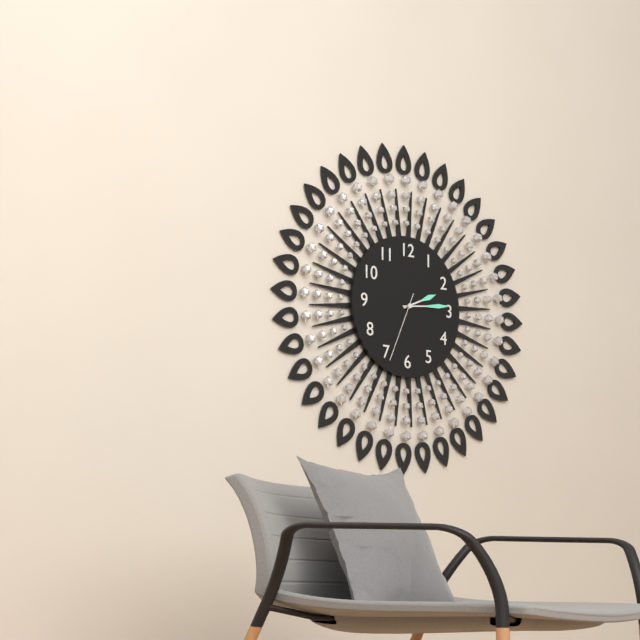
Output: **2:14:34**
